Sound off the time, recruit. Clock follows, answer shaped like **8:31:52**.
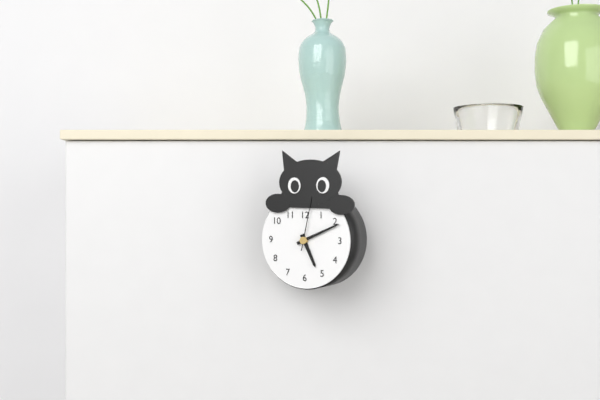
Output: **5:11:02**
